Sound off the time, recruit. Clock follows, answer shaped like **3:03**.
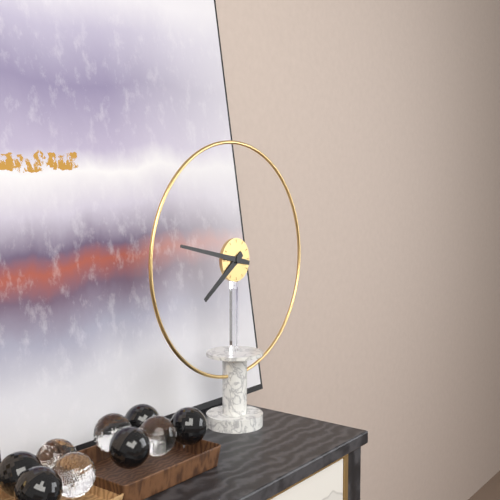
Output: **7:47**
